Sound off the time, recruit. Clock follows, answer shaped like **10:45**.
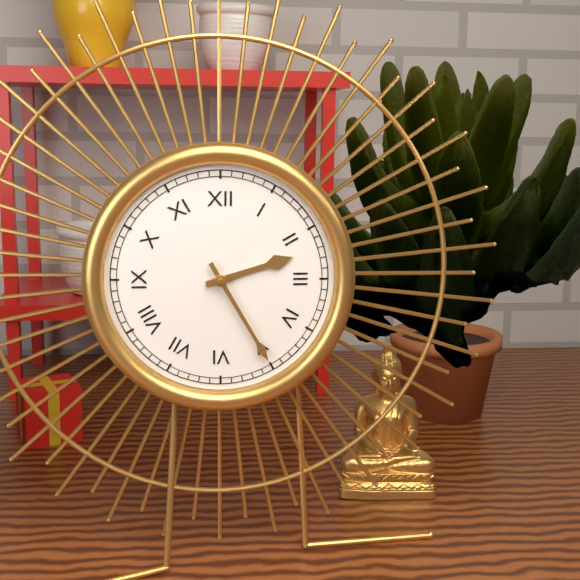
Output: **2:25**
